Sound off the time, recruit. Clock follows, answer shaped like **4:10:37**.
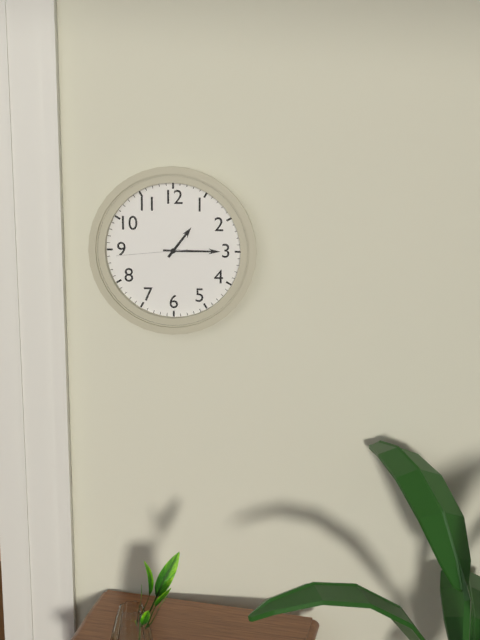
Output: **1:15:44**
